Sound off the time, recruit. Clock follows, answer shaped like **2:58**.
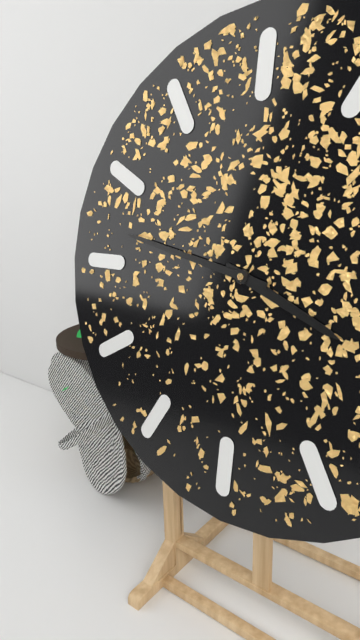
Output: **3:47**
